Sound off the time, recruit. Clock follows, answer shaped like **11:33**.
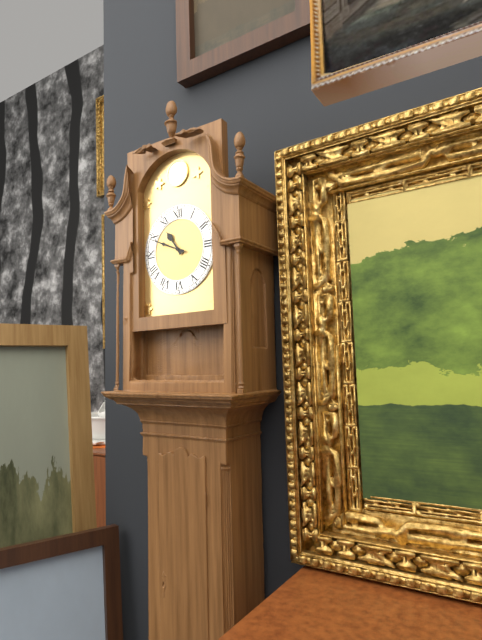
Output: **10:49**
